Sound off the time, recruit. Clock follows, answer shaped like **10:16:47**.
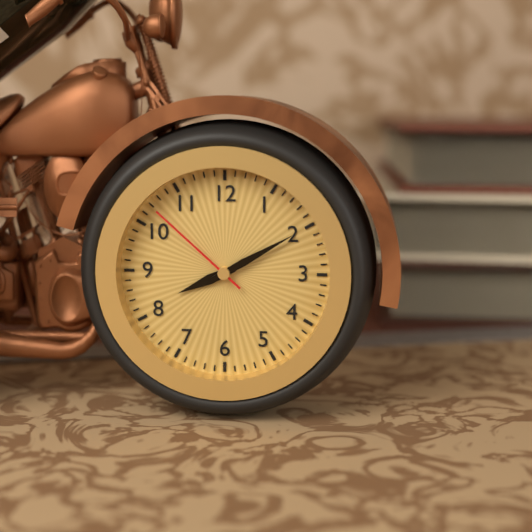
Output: **8:10:52**
